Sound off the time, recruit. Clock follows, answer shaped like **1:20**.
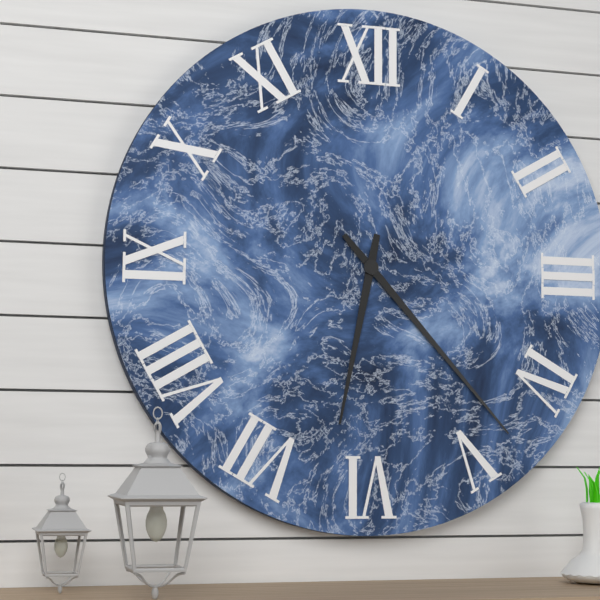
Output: **6:23**
